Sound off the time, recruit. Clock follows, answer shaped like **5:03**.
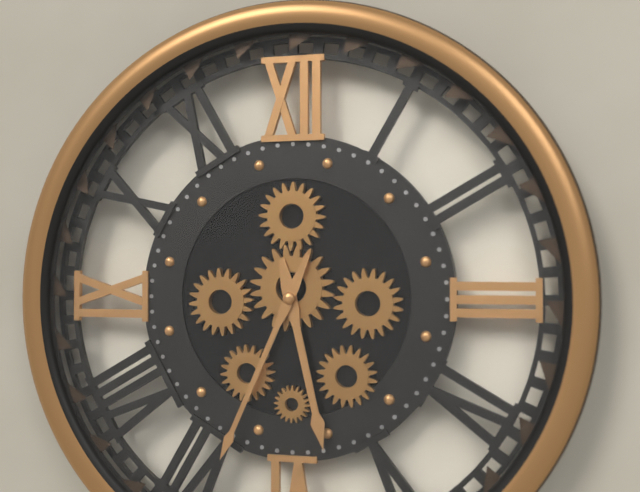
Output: **5:34**
